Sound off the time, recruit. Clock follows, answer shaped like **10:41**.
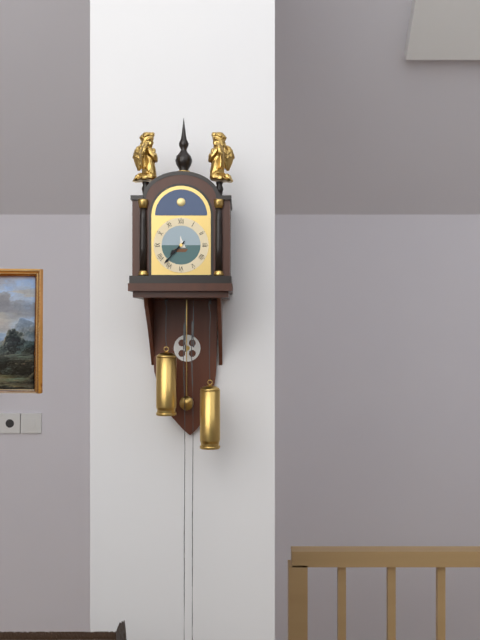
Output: **7:37**
